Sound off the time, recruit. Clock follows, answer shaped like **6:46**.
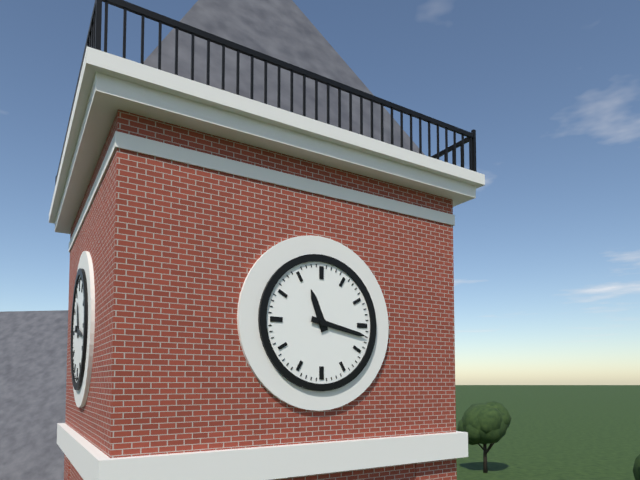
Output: **11:17**
